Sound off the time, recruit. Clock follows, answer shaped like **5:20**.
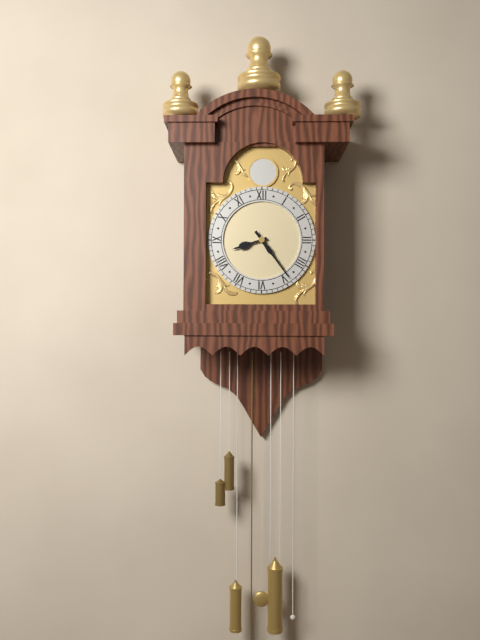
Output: **8:24**
